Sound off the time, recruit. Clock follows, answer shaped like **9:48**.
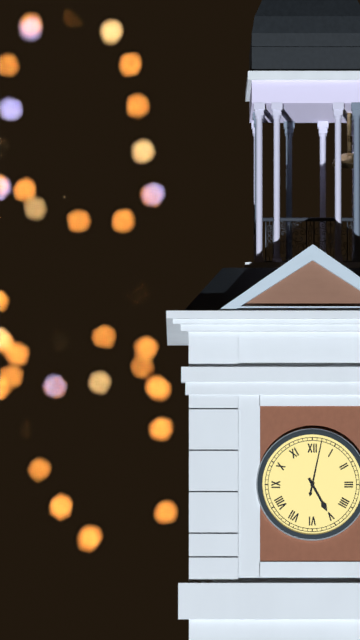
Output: **5:02**
